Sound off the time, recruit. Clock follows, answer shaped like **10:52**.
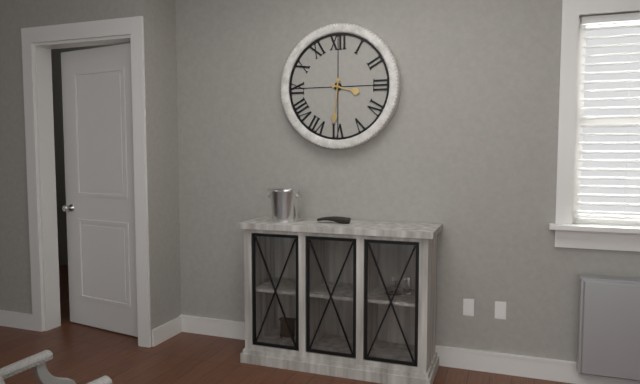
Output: **3:31**
